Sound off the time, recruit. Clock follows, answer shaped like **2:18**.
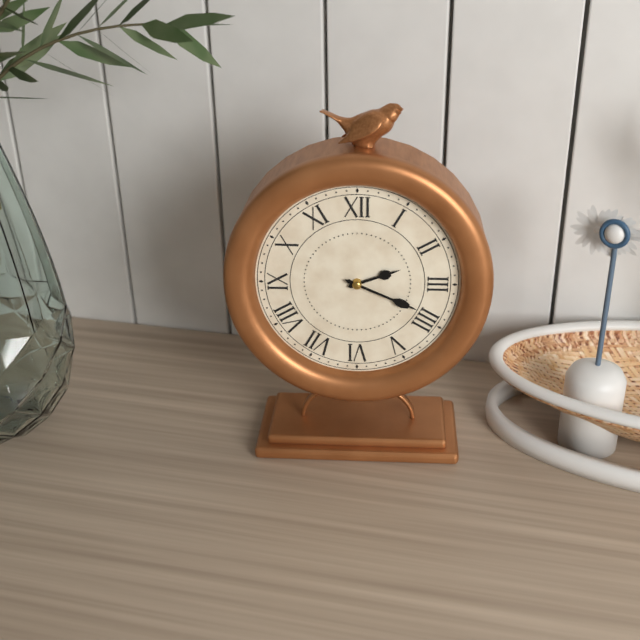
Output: **2:19**
